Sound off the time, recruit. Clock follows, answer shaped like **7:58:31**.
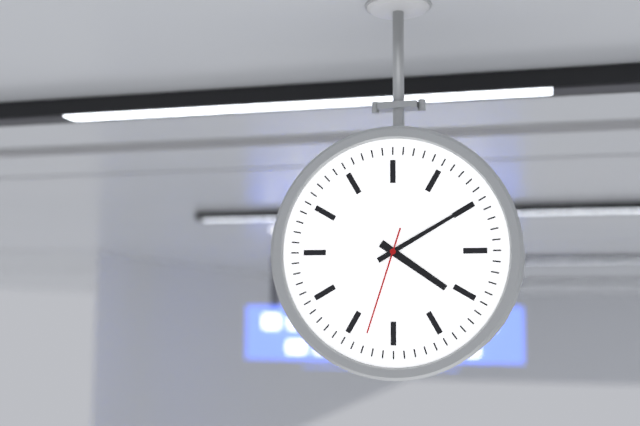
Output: **4:10:33**
